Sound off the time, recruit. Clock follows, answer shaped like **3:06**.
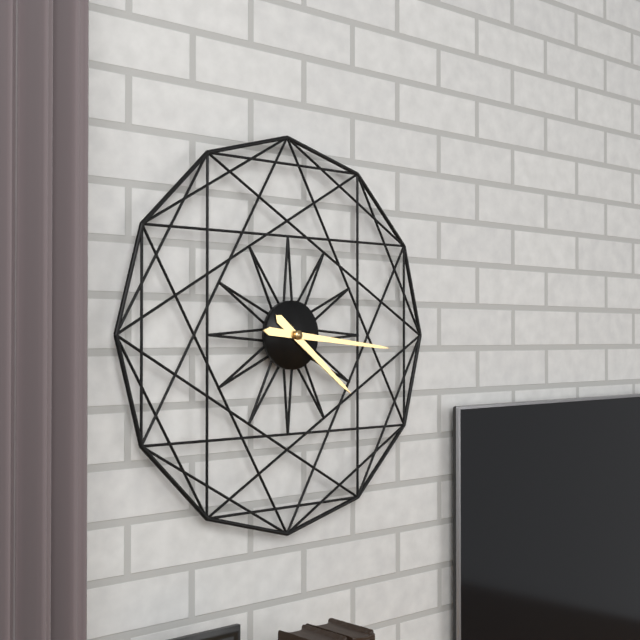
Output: **4:16**
